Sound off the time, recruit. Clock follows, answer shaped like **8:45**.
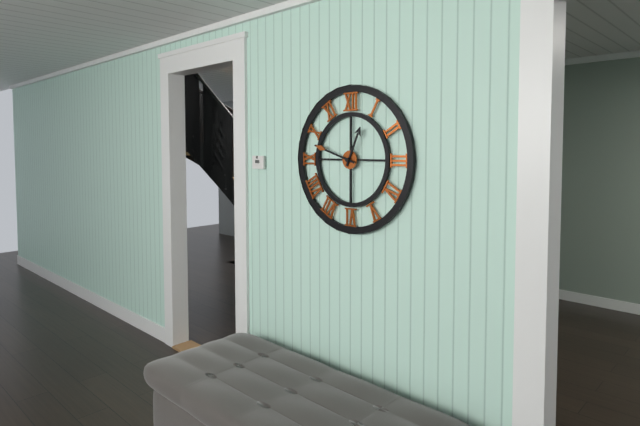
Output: **12:48**
